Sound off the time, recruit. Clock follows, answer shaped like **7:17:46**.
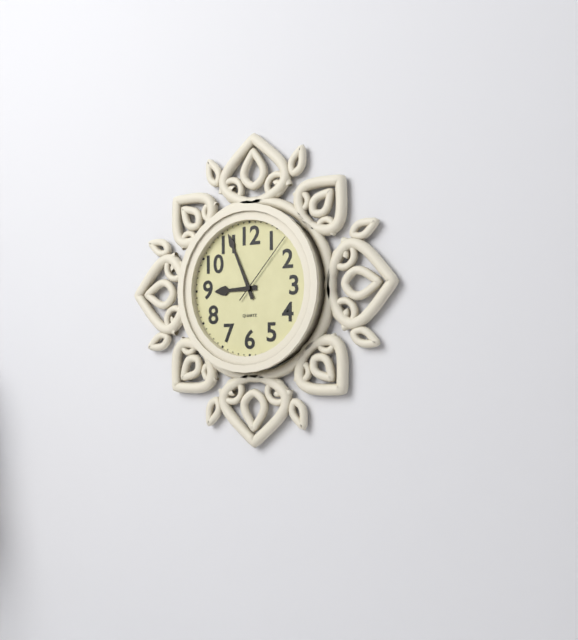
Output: **8:56:07**
